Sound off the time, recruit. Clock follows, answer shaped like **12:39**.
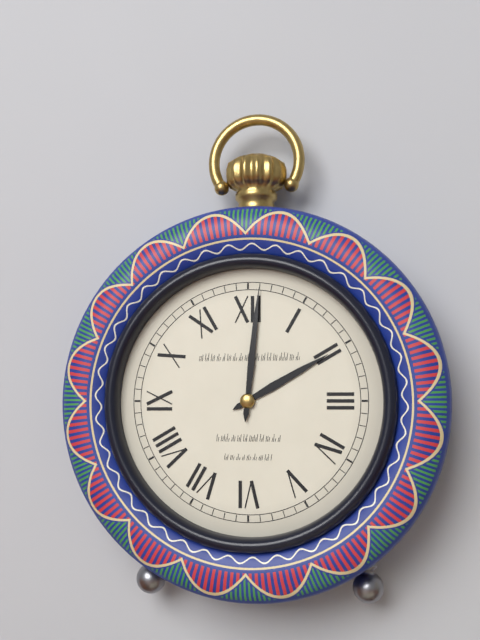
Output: **2:01**
